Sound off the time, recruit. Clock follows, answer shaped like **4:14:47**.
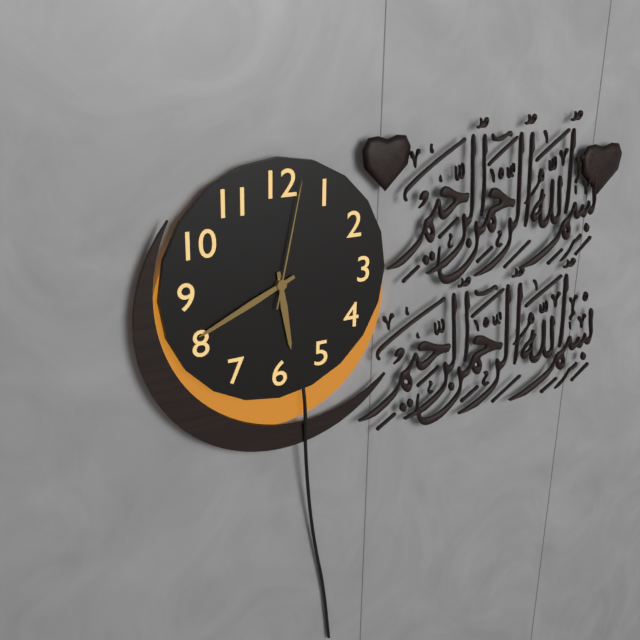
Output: **5:41:02**
